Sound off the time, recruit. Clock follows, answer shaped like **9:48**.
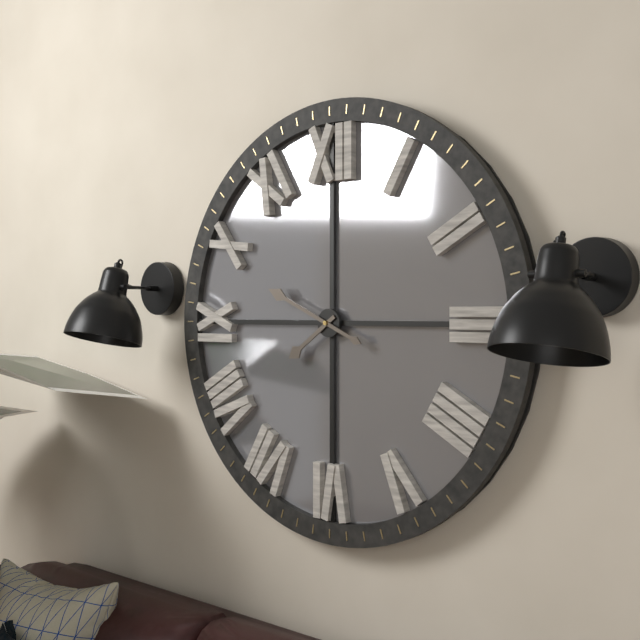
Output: **7:49**
